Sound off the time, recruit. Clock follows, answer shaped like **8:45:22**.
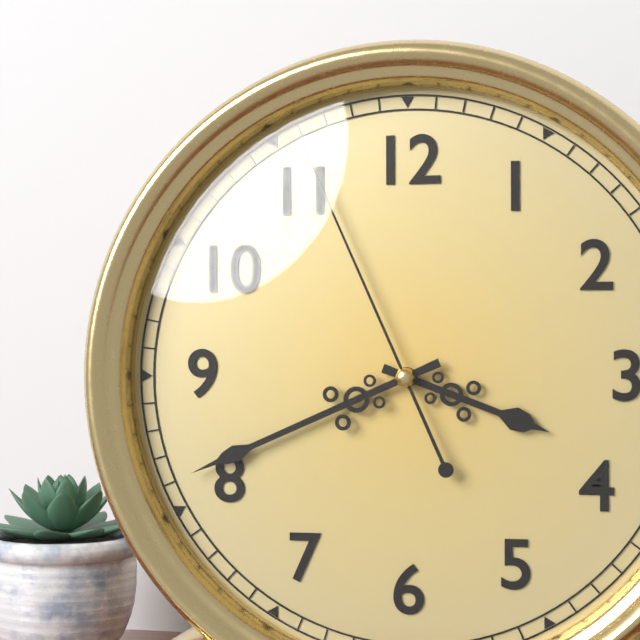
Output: **3:41:56**
